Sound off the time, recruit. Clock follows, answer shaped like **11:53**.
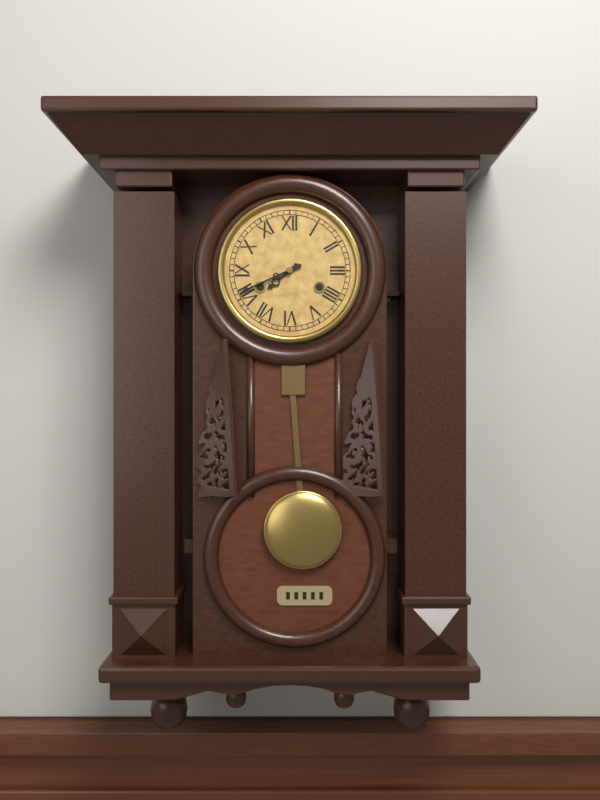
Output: **7:41**
